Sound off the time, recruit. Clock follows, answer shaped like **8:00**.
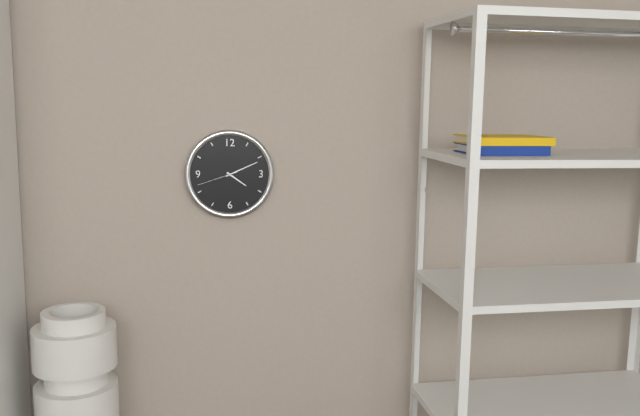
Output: **4:11**
